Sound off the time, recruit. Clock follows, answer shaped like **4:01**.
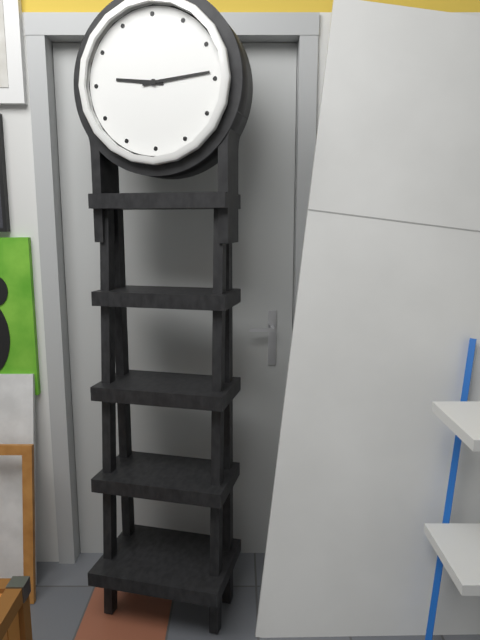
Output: **9:14**
